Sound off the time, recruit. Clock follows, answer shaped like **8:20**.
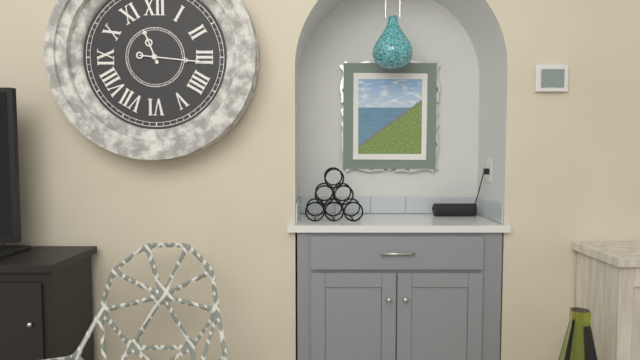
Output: **11:16**
